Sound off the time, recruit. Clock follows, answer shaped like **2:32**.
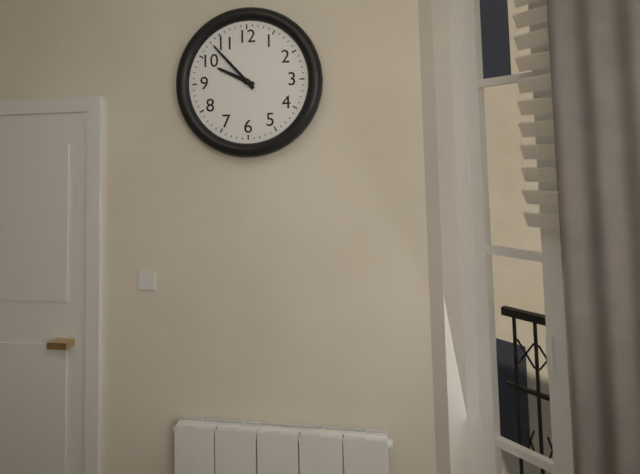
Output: **9:53**
